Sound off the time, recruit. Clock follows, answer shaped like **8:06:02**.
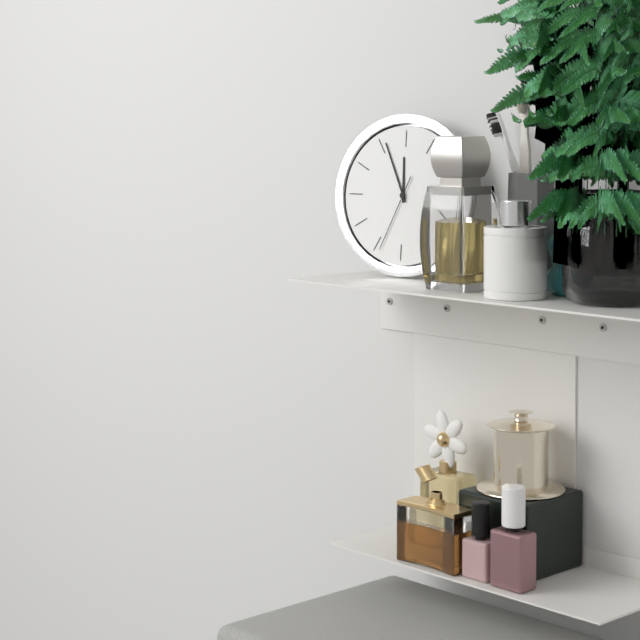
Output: **11:56:34**
